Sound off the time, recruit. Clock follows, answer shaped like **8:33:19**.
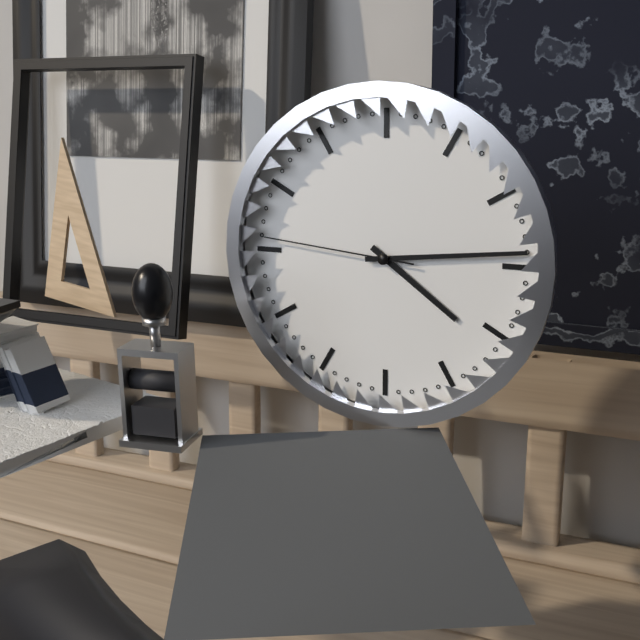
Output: **4:14:46**
